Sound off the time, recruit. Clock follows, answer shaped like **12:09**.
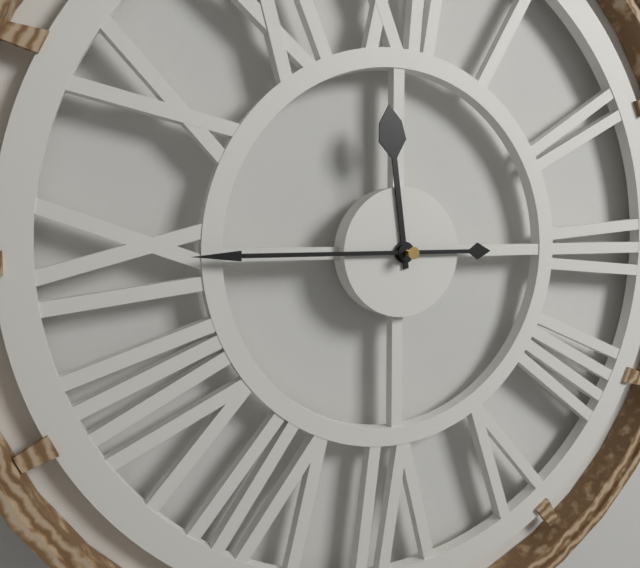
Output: **11:45**
